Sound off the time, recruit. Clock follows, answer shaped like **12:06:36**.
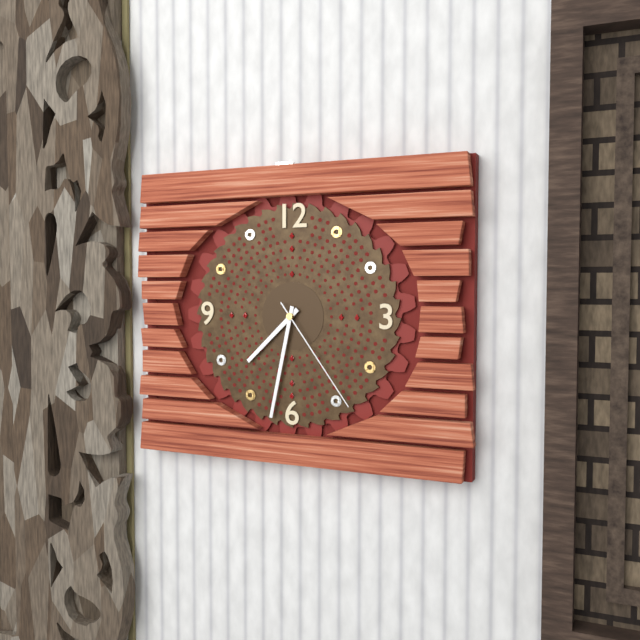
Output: **7:32:24**
